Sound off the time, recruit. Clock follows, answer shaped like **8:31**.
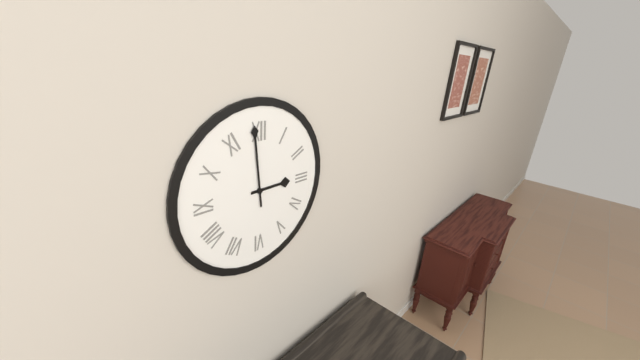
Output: **2:59**
